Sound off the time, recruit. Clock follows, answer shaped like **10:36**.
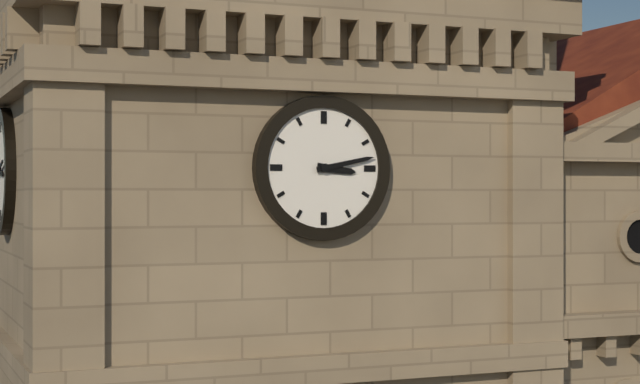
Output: **3:13**
